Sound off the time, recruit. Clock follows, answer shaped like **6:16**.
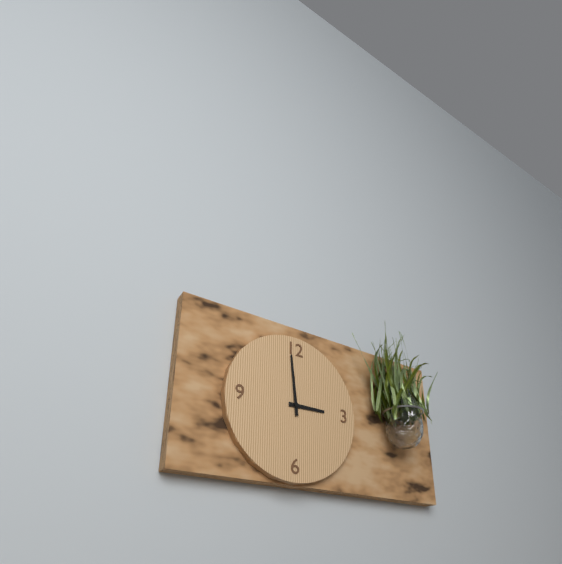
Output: **2:59**
